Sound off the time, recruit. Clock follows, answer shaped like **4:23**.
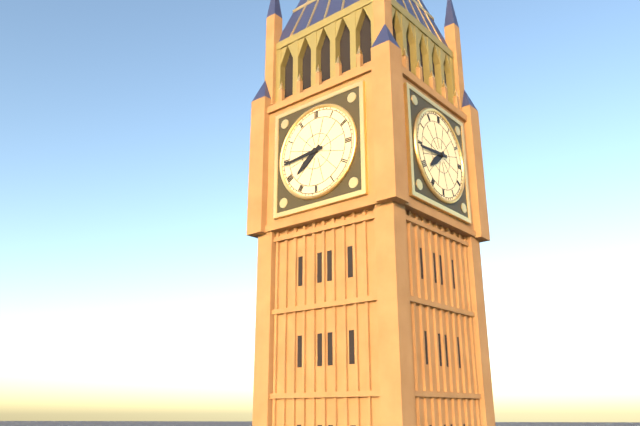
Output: **7:44**
